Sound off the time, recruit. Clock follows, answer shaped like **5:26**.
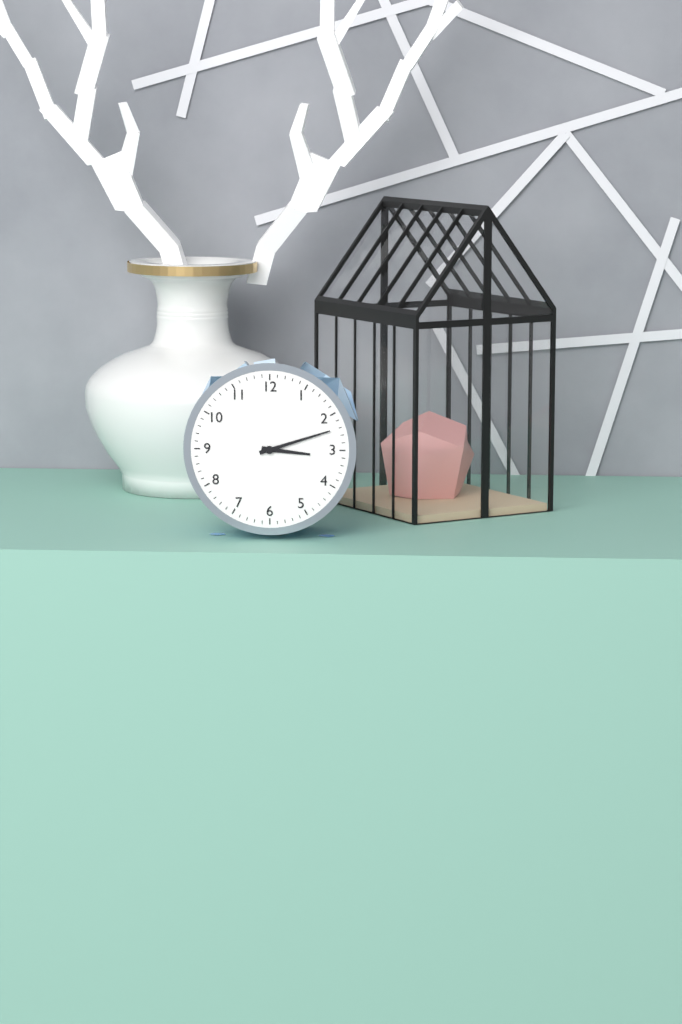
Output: **3:12**
